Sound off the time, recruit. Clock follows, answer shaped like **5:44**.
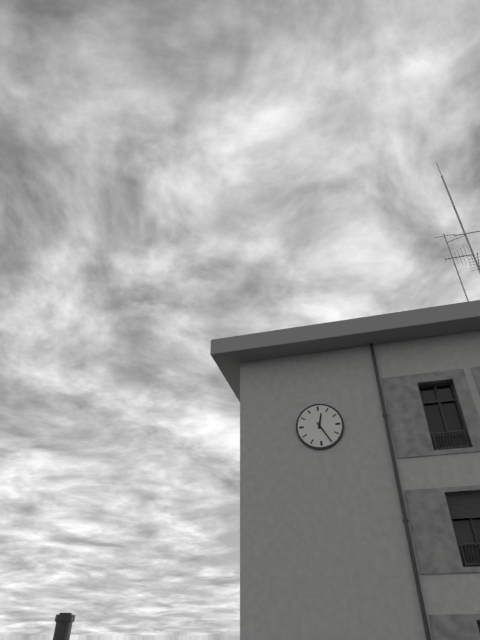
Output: **12:25**
